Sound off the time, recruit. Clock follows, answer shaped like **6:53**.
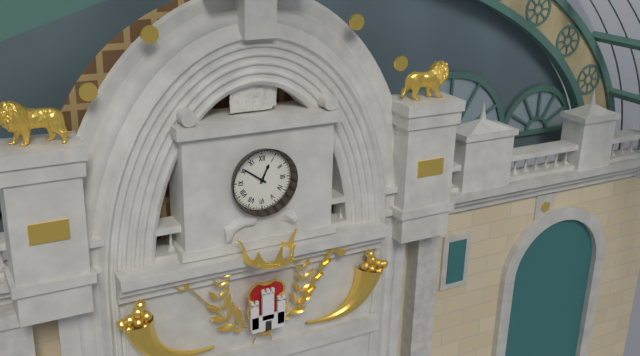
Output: **12:51**
